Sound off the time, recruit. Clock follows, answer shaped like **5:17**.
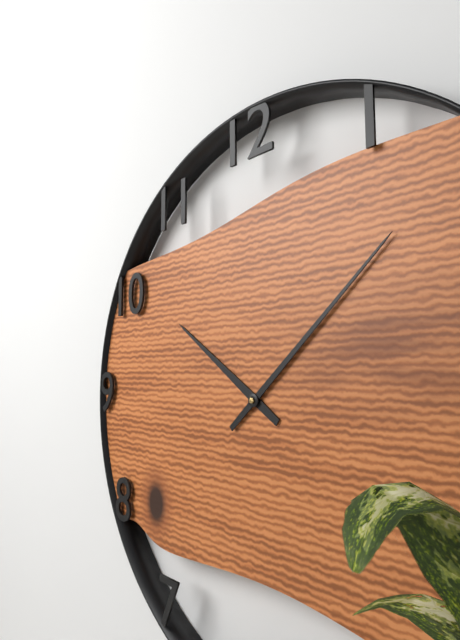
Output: **10:08**
